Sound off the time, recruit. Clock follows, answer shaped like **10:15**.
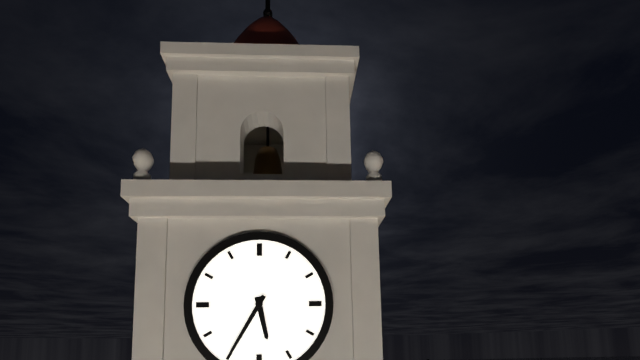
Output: **5:35**
